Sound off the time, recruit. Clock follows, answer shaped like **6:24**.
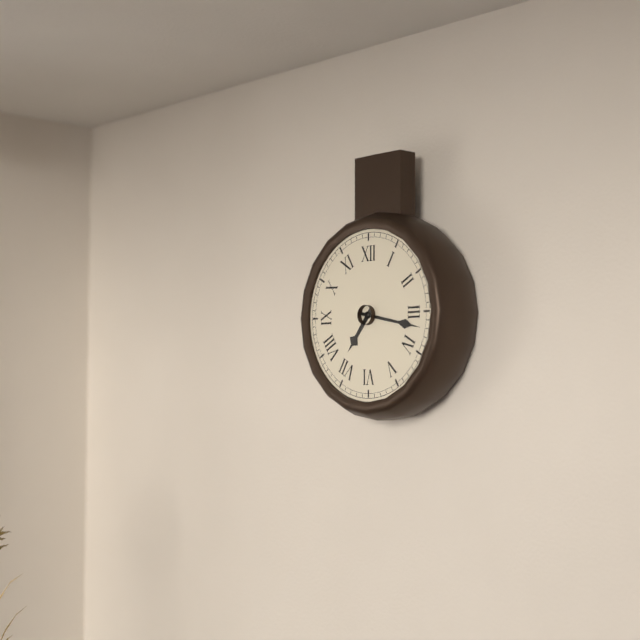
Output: **7:17**
